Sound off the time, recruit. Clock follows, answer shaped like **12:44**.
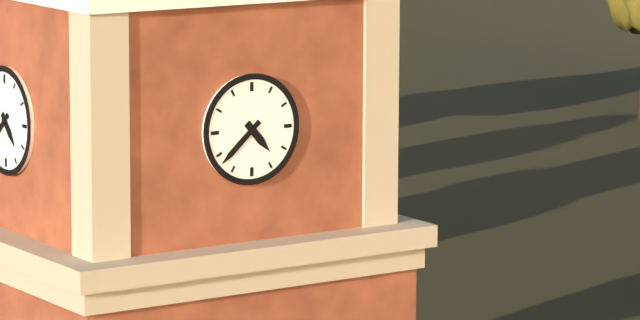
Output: **4:38**
